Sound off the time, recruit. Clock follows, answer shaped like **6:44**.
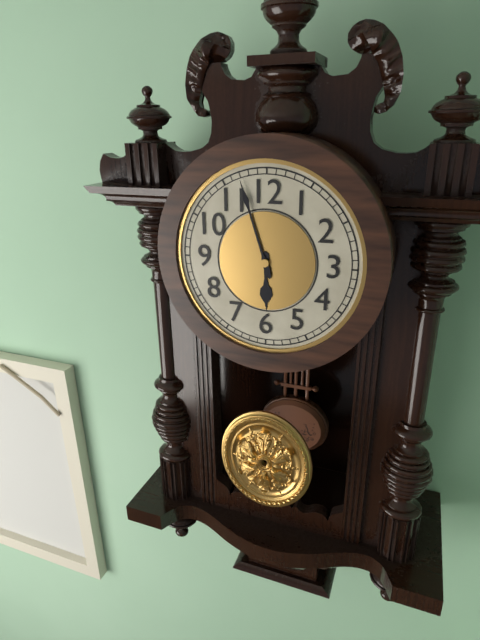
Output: **5:57**
